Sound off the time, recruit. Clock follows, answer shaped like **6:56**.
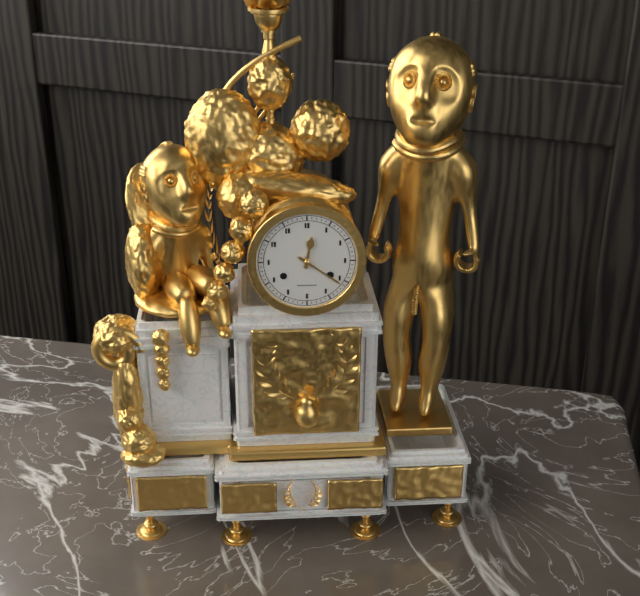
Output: **12:21**
